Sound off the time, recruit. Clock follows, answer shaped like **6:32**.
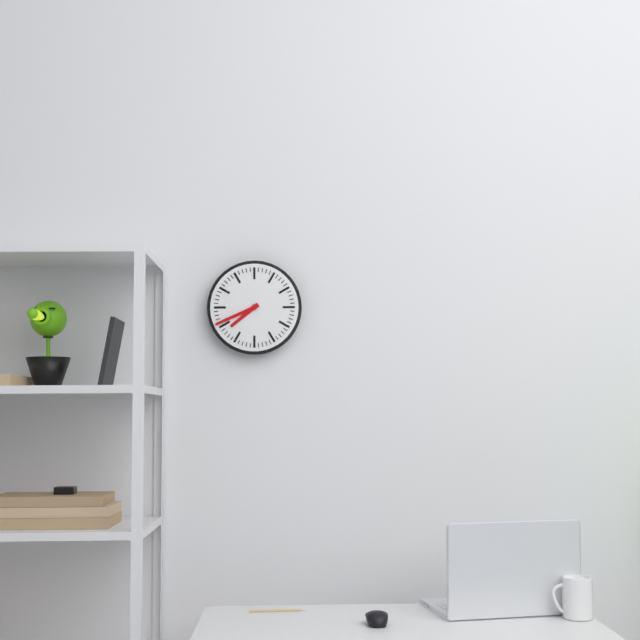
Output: **7:41**
